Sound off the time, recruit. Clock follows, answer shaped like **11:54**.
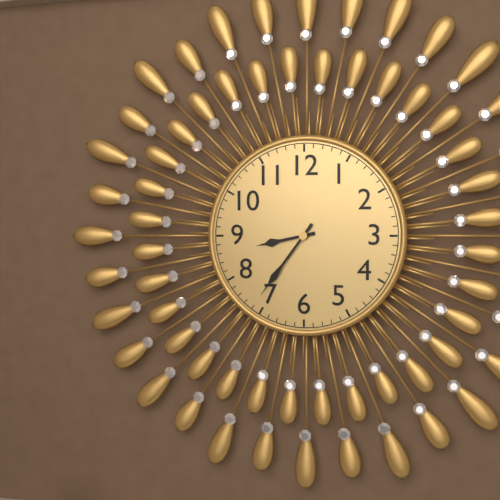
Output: **8:36**
